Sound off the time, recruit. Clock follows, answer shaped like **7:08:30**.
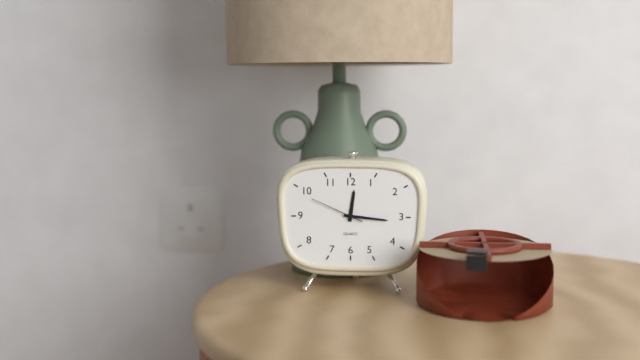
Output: **12:16:49**
